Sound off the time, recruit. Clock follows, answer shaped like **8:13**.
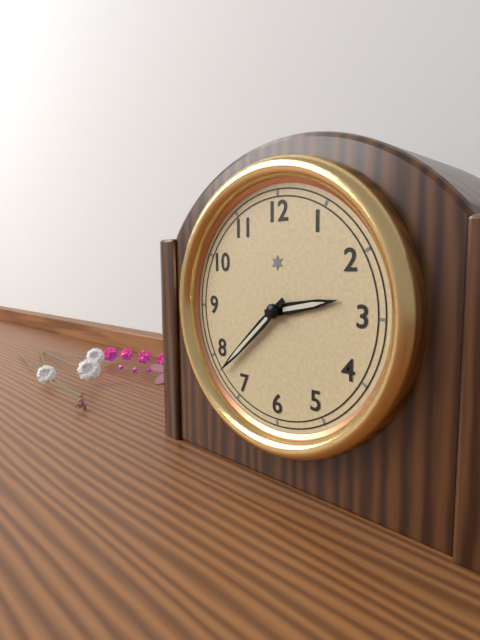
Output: **2:38**
